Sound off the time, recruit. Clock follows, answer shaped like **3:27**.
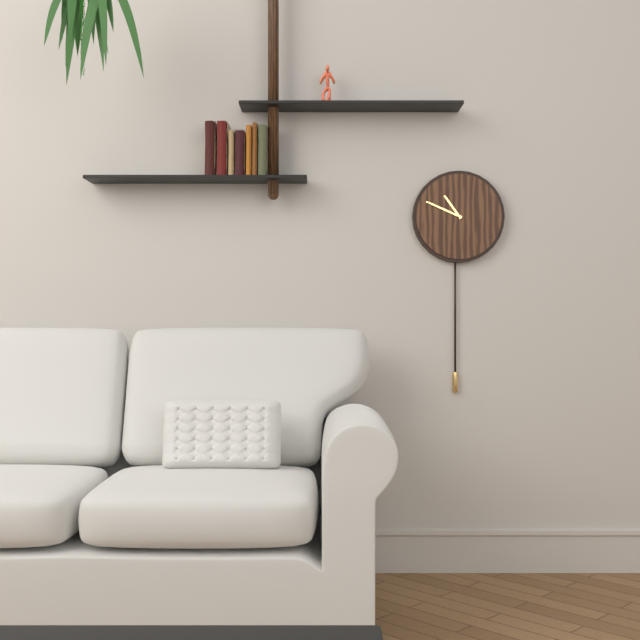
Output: **10:49**
